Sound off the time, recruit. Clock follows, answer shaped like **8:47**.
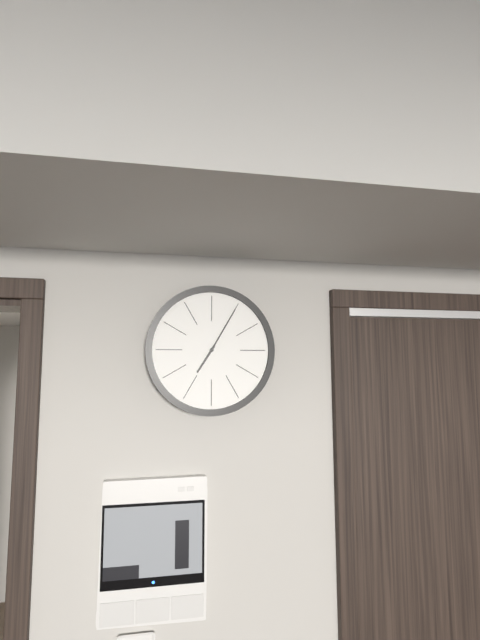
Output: **7:05**
